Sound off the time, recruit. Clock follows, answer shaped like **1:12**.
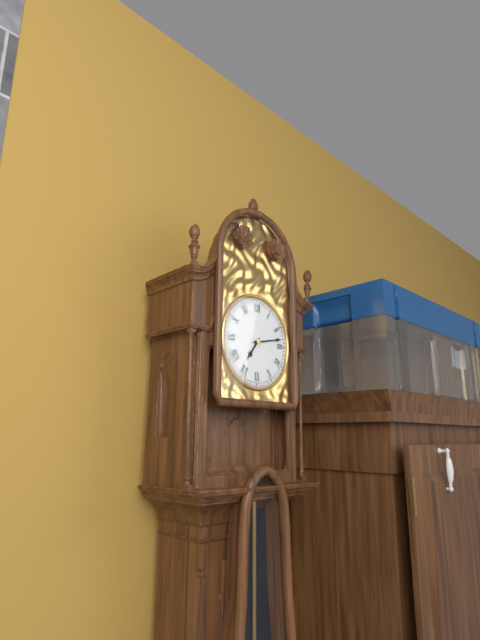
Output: **7:13**
